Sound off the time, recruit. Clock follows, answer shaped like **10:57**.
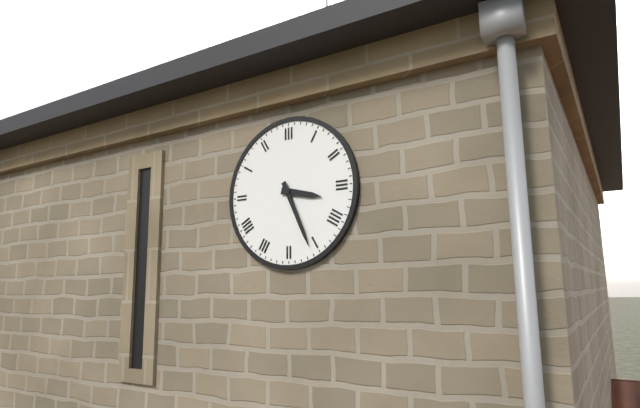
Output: **3:26**
